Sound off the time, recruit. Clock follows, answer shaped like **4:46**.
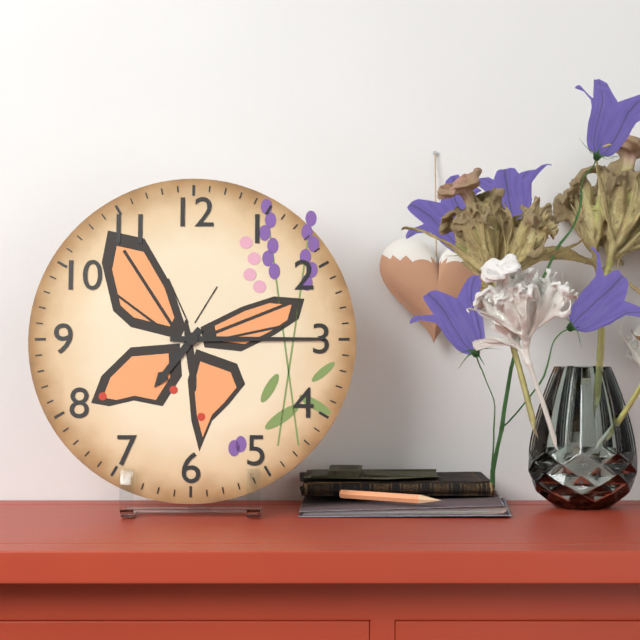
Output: **7:15**
